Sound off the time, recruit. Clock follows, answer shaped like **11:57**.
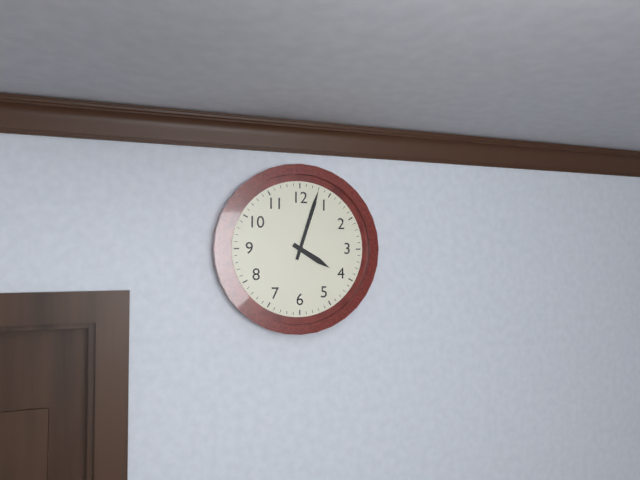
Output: **4:03**
